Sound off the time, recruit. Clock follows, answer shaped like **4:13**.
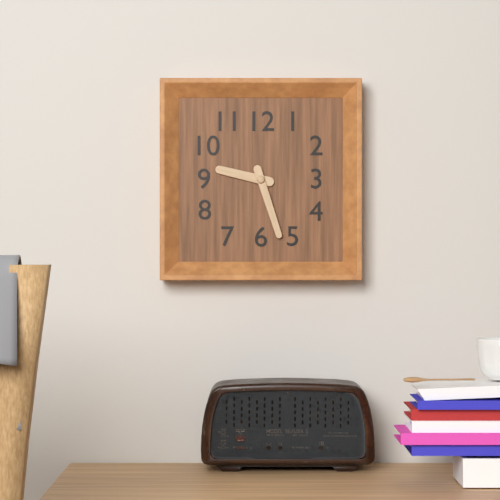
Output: **9:27**
